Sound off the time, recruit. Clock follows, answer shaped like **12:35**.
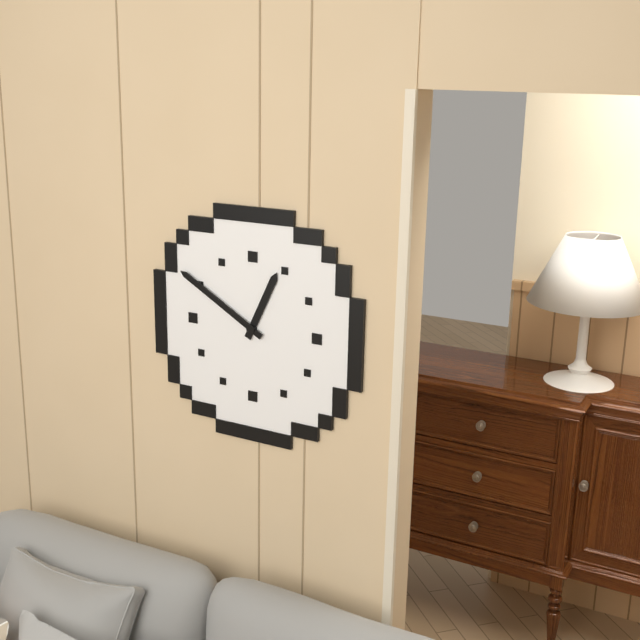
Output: **12:50**
